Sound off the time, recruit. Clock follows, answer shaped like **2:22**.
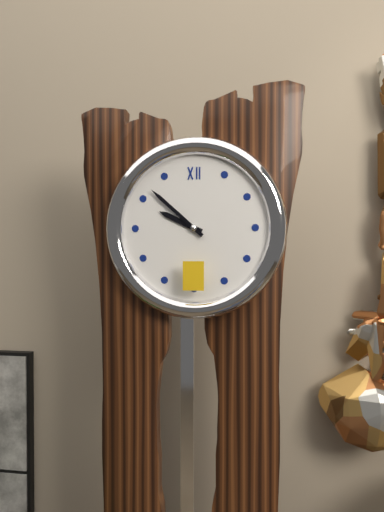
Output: **9:52**
